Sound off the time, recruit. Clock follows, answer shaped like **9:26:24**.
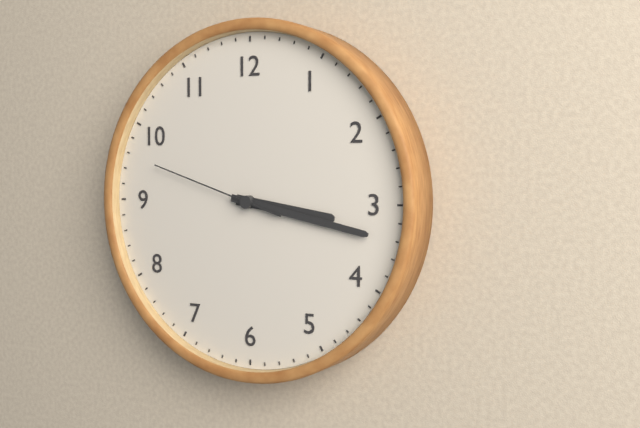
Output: **3:17:48**
